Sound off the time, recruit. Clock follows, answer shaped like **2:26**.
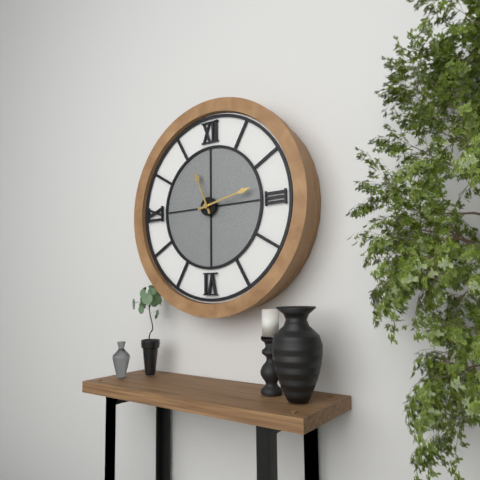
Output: **11:13**
